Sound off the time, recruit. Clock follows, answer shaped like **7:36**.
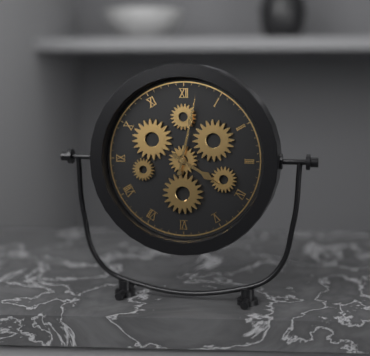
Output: **4:02**
